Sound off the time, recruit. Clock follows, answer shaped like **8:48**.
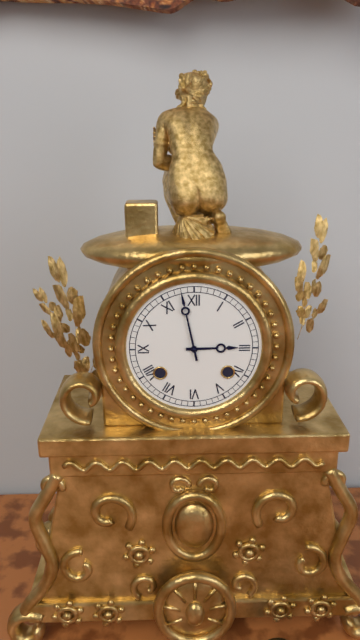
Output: **2:58**
